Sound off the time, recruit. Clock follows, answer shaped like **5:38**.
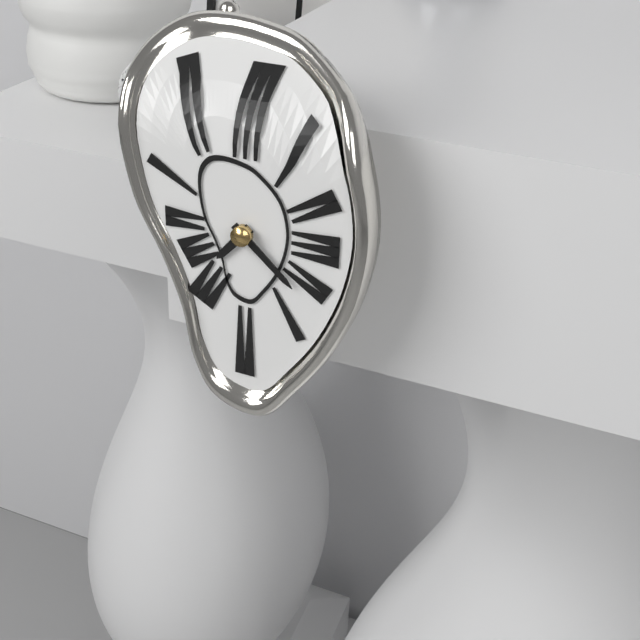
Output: **7:22**
